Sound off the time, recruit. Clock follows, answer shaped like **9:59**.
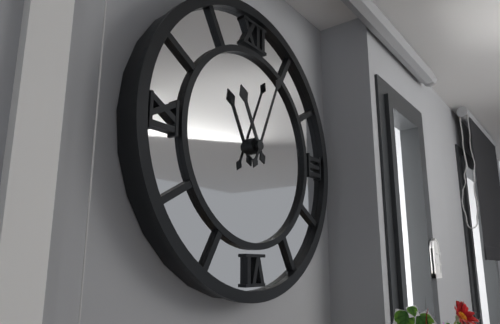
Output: **11:04**
